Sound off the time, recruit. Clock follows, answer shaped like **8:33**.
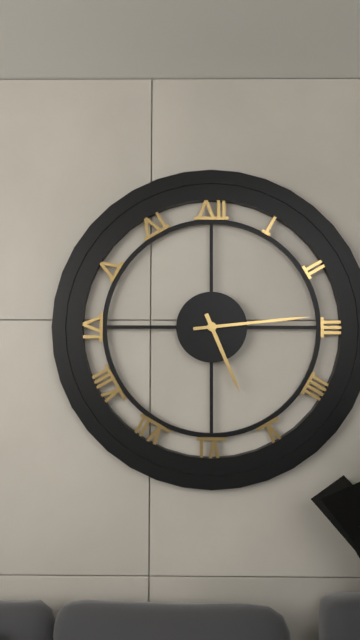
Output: **5:14**
